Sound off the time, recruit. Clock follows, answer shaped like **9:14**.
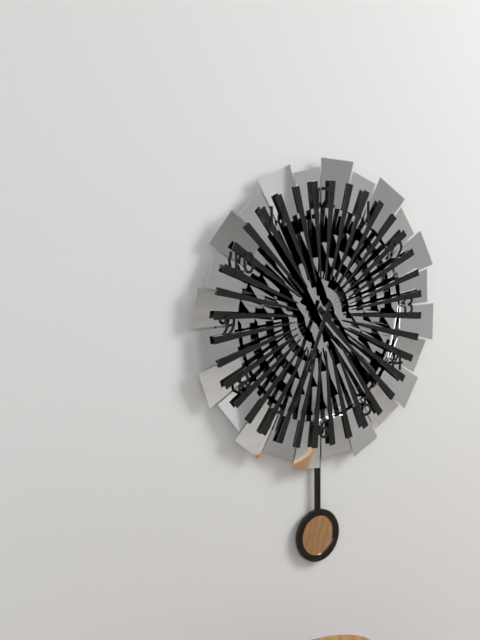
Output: **4:34**
